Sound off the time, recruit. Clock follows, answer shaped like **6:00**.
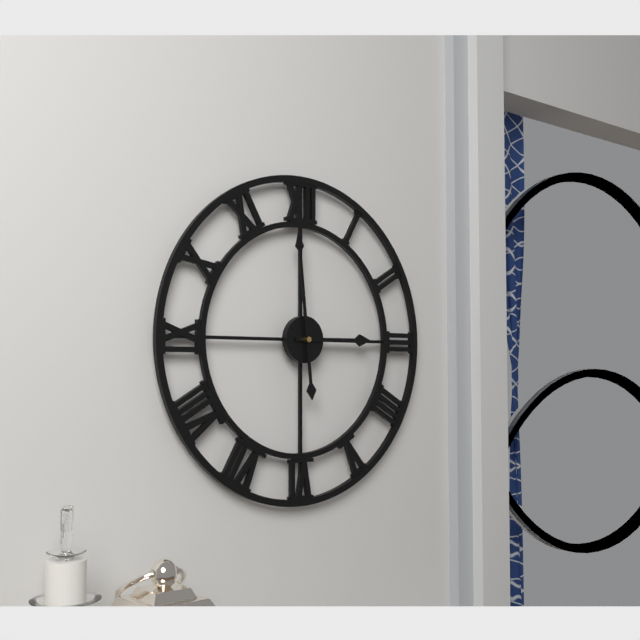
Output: **2:59**
